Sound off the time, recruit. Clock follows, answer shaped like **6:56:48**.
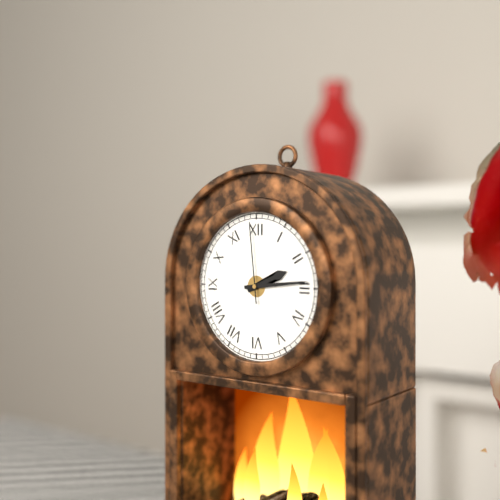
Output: **2:14:59**
